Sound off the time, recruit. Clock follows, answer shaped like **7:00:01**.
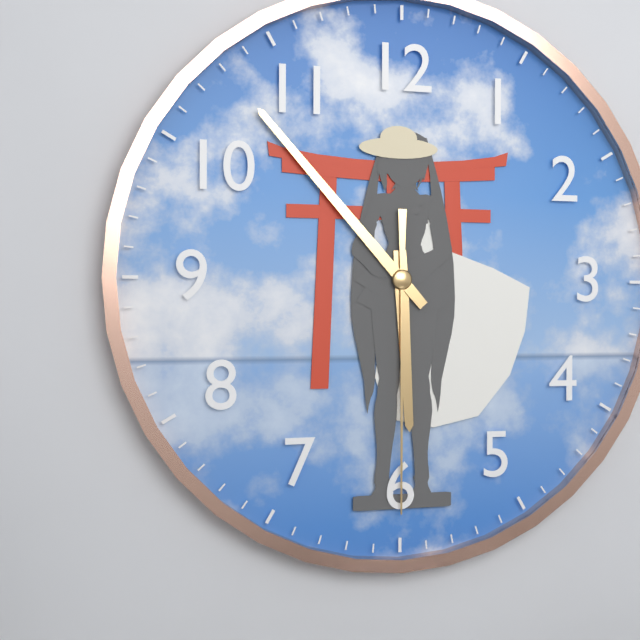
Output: **5:53:30**
